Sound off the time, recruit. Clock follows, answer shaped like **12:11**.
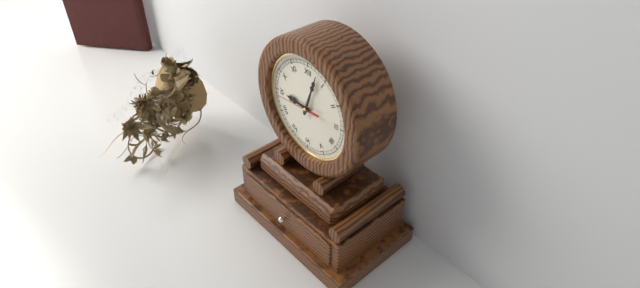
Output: **9:03**
